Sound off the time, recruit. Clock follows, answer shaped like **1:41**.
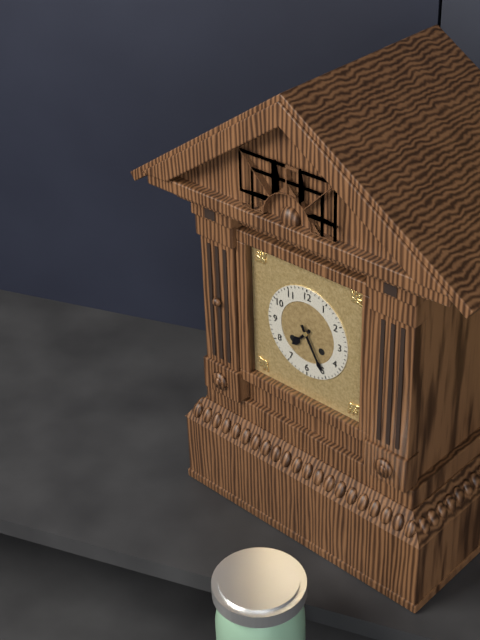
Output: **7:25**
